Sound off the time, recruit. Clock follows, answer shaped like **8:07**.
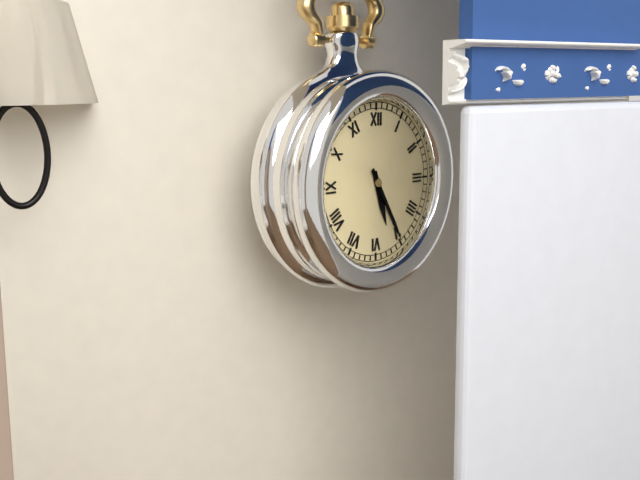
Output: **5:25**
